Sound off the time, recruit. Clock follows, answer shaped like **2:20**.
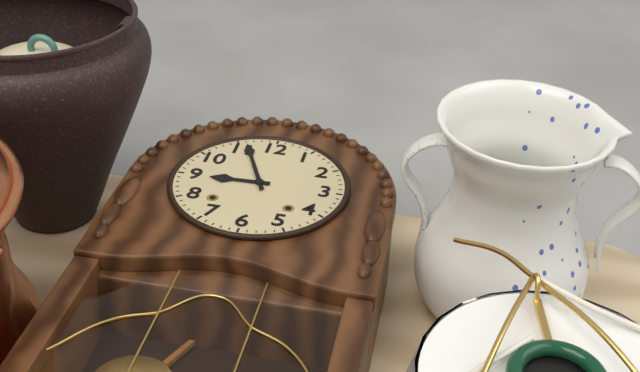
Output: **8:56**
